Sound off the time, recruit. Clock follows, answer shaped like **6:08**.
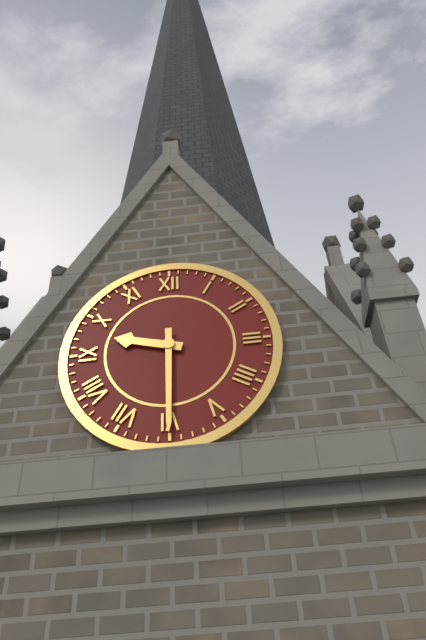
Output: **9:30**
